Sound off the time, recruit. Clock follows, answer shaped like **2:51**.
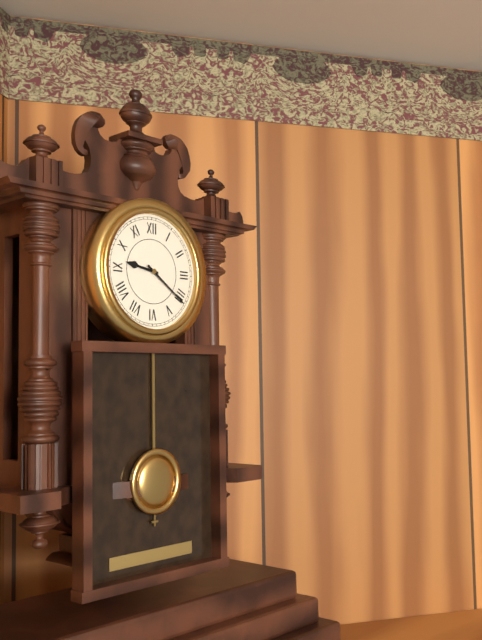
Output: **9:21**
